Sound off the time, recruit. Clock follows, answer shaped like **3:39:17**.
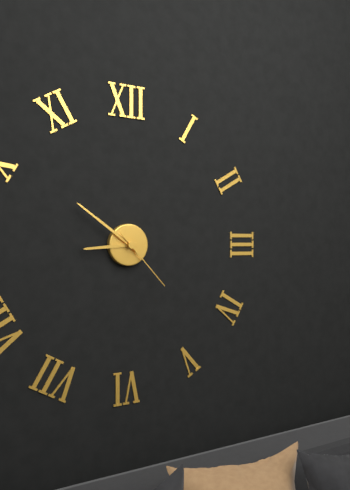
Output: **8:51:23**
